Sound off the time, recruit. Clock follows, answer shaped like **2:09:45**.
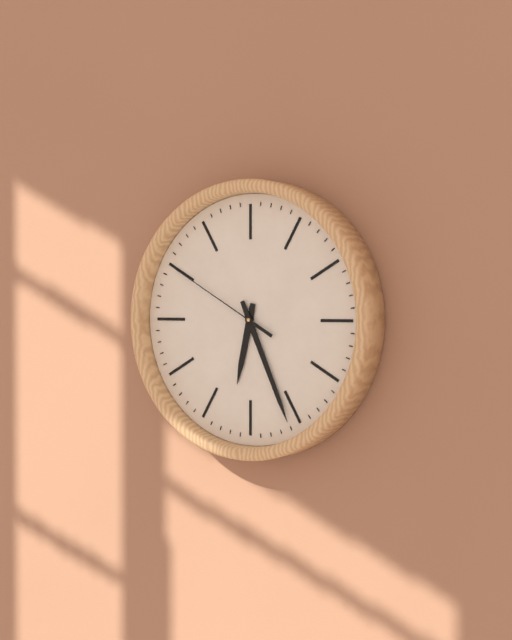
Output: **6:26:50**
